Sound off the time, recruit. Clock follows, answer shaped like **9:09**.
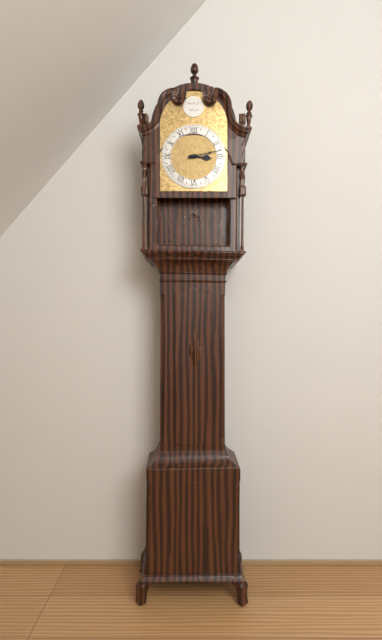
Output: **3:13**
